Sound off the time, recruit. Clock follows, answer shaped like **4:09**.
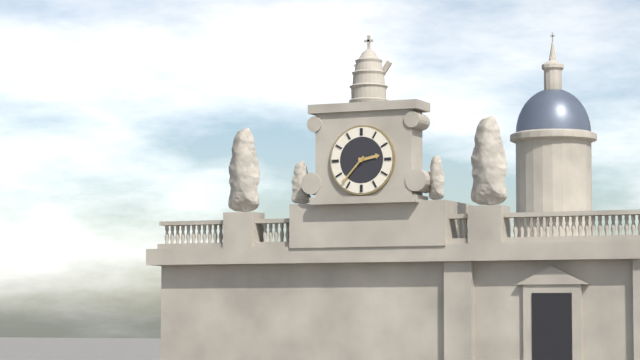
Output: **2:37**
